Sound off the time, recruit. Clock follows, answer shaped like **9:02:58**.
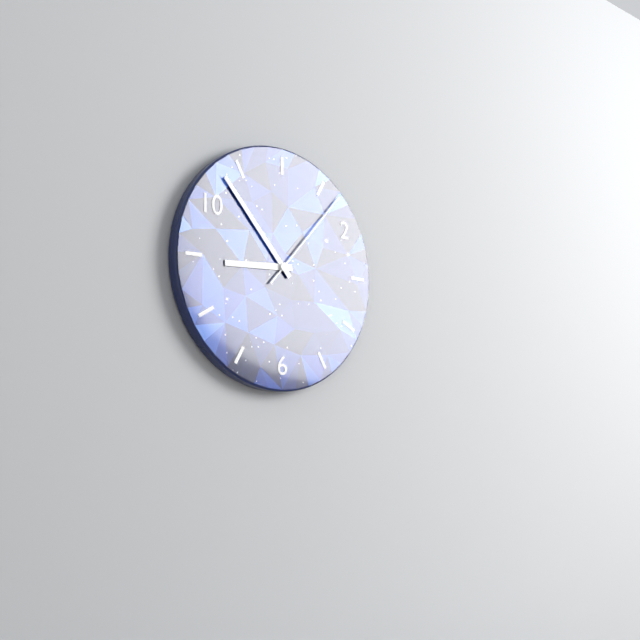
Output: **8:53:07**
